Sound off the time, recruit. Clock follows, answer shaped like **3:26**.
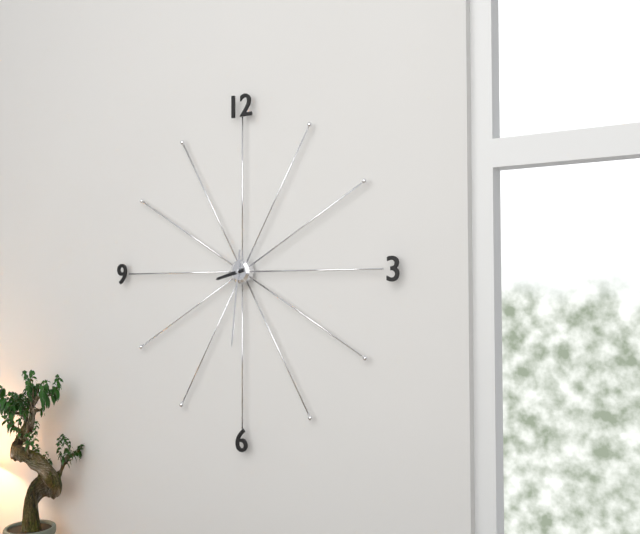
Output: **8:31**
